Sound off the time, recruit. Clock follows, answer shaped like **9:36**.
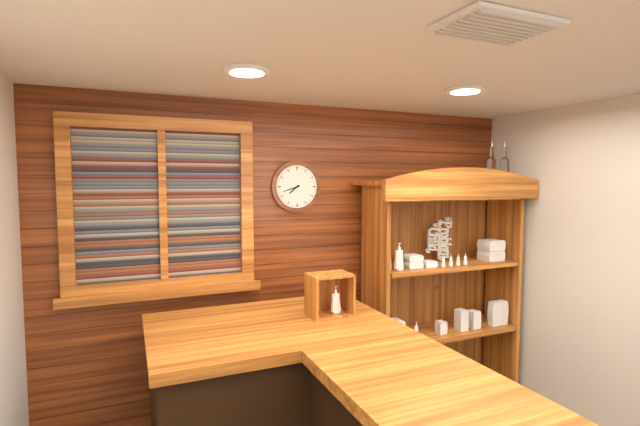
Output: **7:42**
